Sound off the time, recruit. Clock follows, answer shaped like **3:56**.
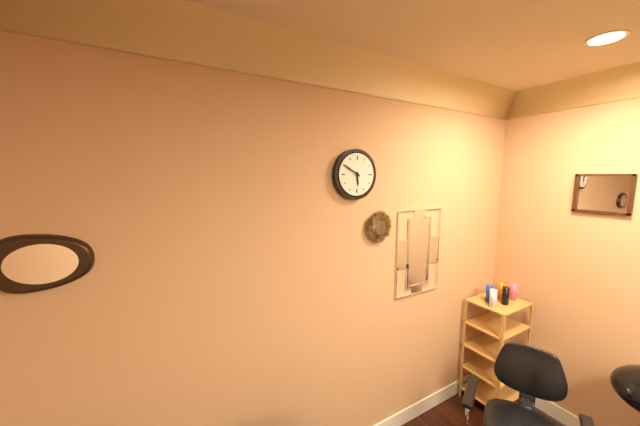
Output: **5:50**
